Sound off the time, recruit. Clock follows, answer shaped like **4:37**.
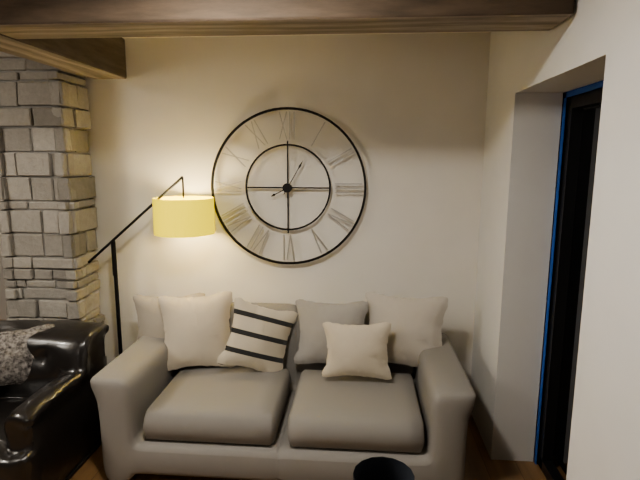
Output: **8:05**
